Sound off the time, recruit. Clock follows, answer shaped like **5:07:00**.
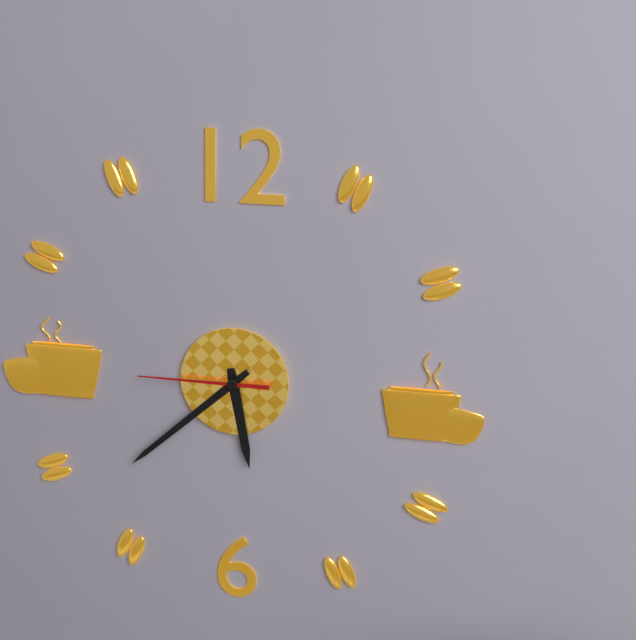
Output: **5:38:45**
